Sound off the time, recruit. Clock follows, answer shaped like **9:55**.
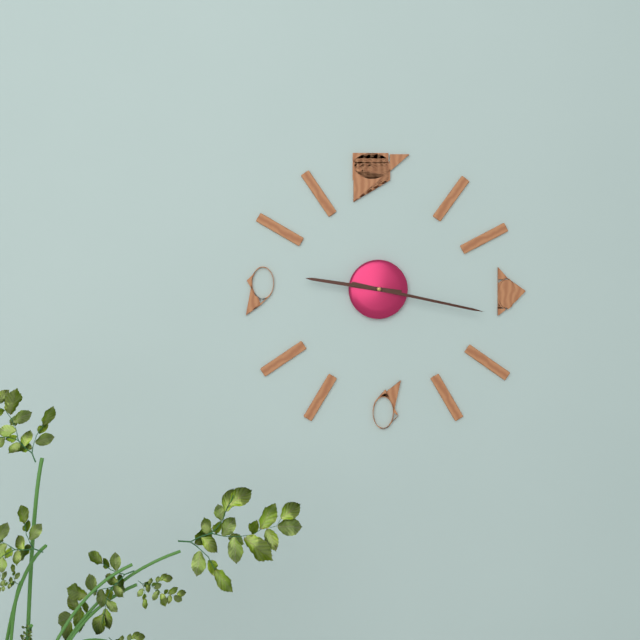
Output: **9:17**
